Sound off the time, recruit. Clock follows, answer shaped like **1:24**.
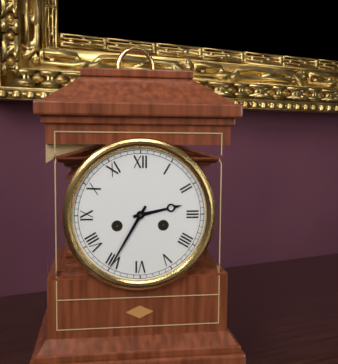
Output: **2:35**
